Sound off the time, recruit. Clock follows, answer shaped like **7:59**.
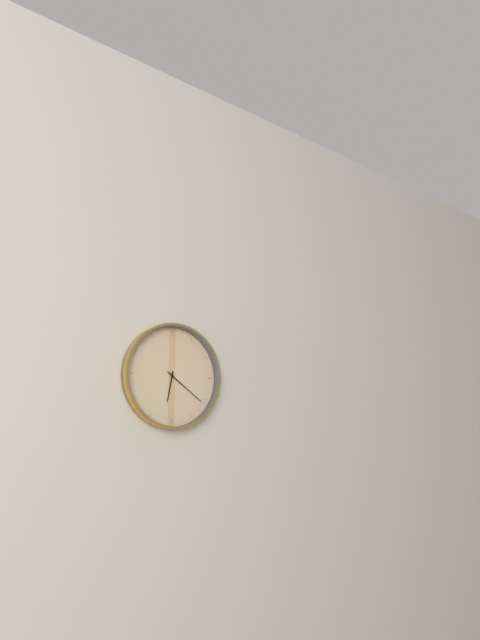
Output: **6:21**
